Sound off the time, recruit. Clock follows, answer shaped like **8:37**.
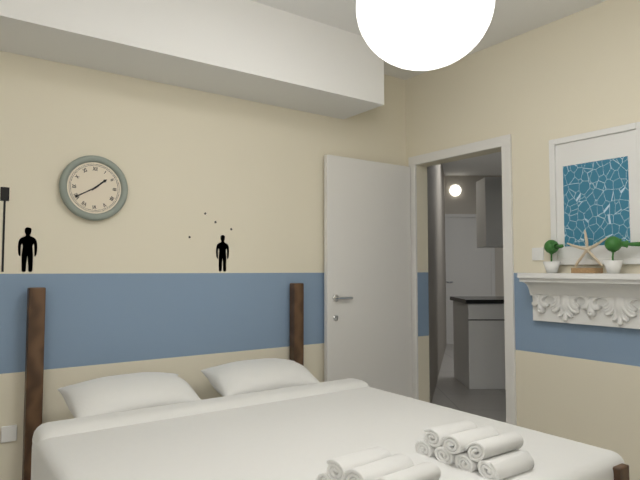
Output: **1:40**
